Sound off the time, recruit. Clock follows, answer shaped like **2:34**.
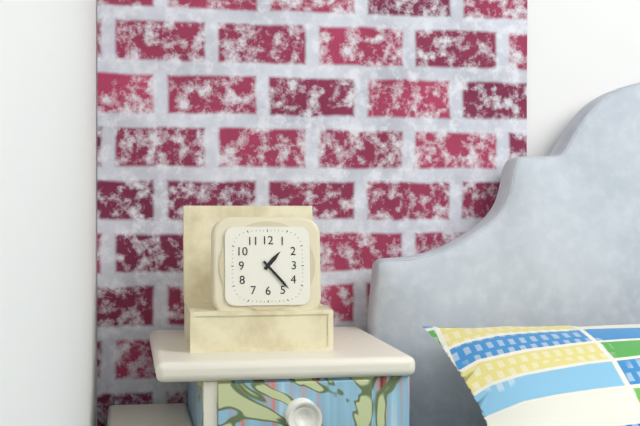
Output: **1:23**
